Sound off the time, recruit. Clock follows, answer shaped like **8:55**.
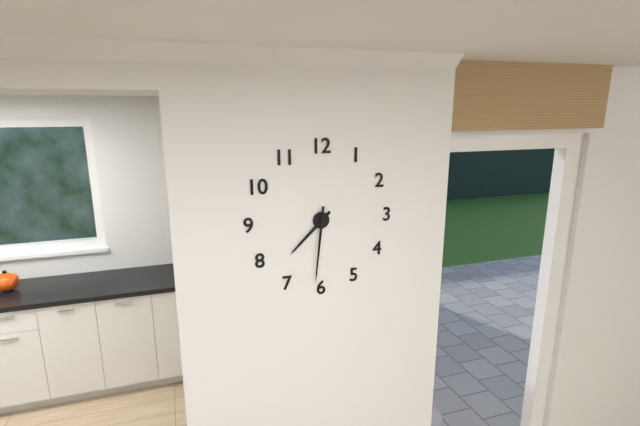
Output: **7:31**
